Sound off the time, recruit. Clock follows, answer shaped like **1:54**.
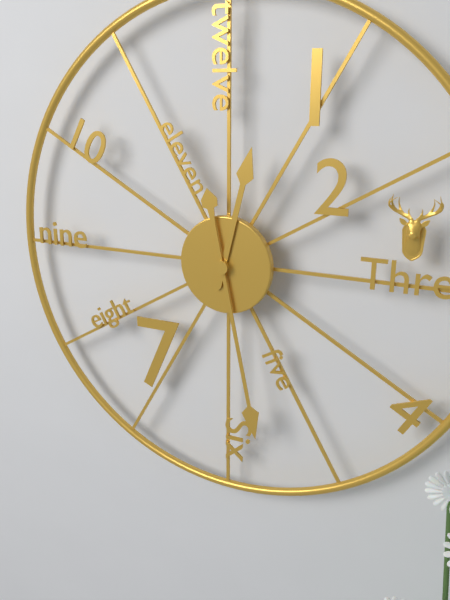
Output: **12:28**
